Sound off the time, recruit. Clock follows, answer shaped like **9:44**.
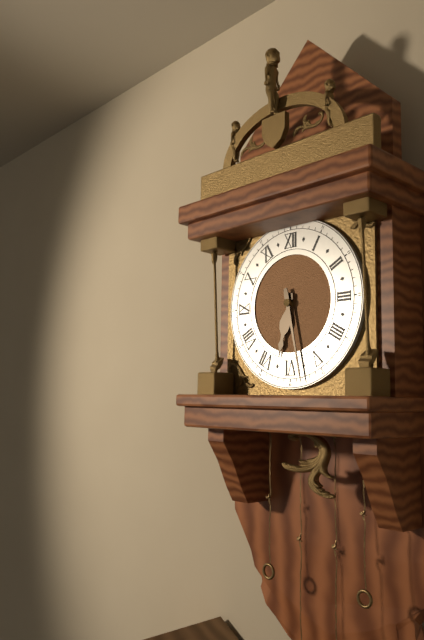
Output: **6:28**
